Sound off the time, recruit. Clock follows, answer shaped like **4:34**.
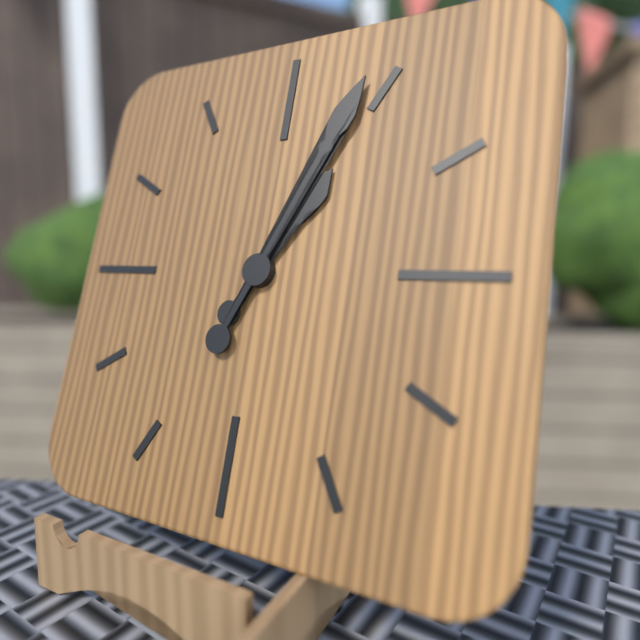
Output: **1:04**
